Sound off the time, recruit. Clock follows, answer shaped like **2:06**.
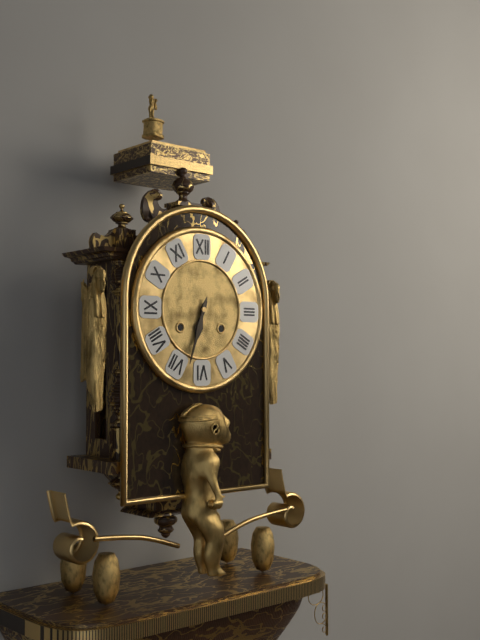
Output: **6:33**
